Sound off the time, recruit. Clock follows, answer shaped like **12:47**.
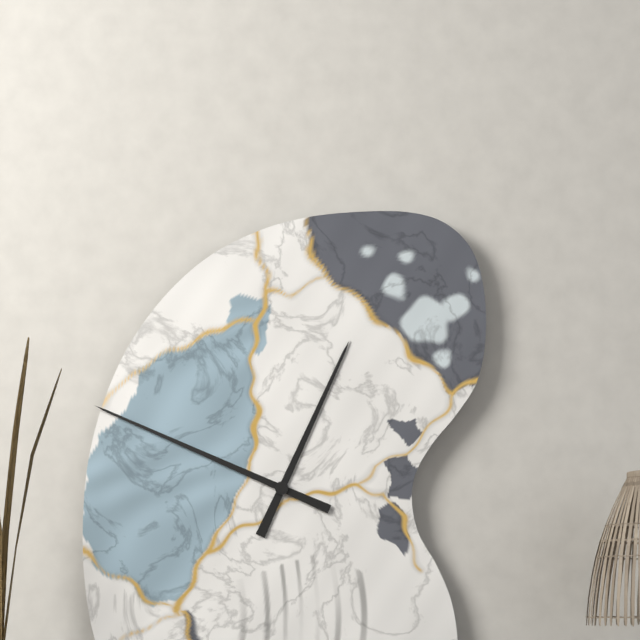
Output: **12:49**
